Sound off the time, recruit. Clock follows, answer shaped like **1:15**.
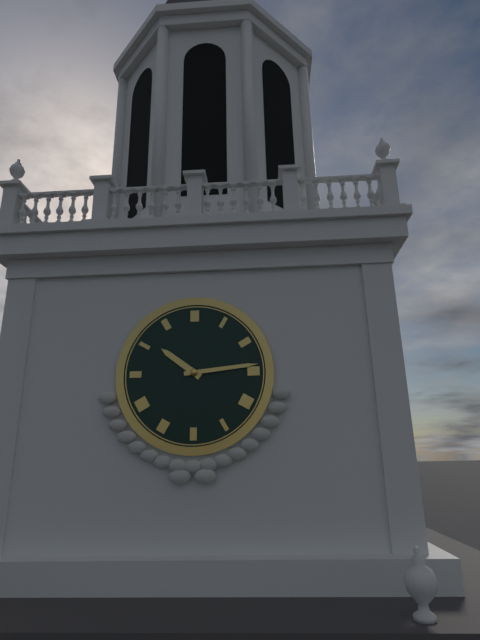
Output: **10:14**
